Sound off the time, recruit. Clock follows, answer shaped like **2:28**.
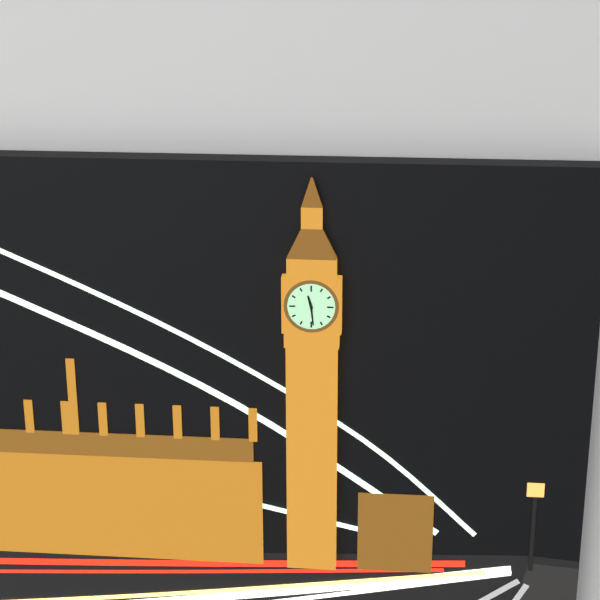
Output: **11:29**
